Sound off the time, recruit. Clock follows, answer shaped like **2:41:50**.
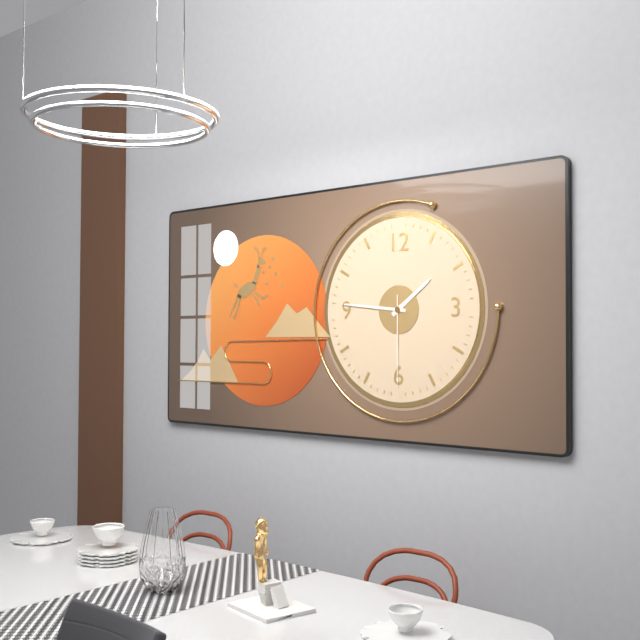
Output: **1:46:30**
